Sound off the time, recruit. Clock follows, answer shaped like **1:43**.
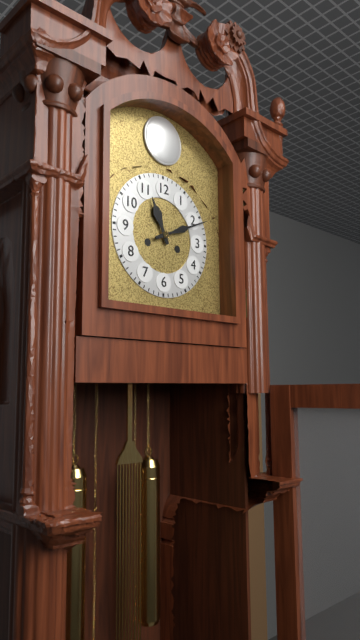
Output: **11:11**
